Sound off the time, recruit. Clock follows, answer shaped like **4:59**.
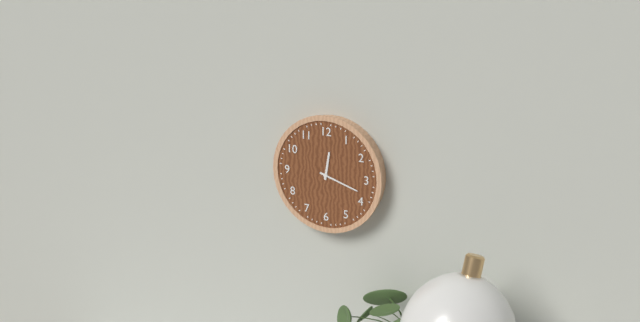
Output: **12:18**
